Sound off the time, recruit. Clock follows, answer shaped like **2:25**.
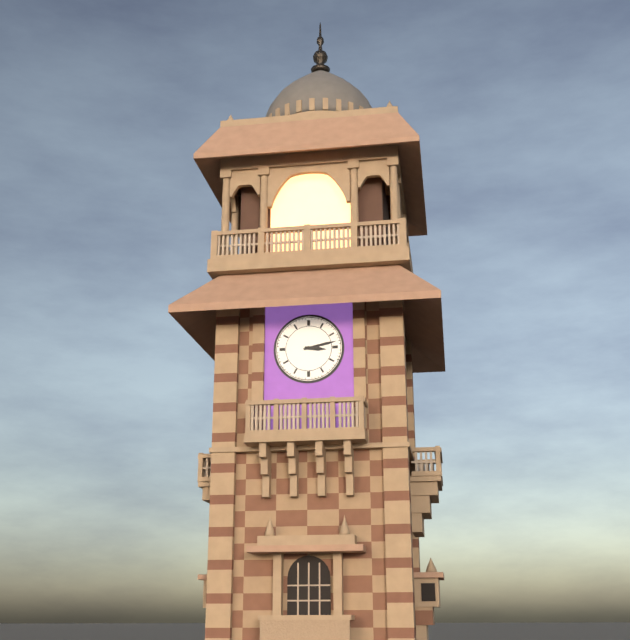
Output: **3:13**
